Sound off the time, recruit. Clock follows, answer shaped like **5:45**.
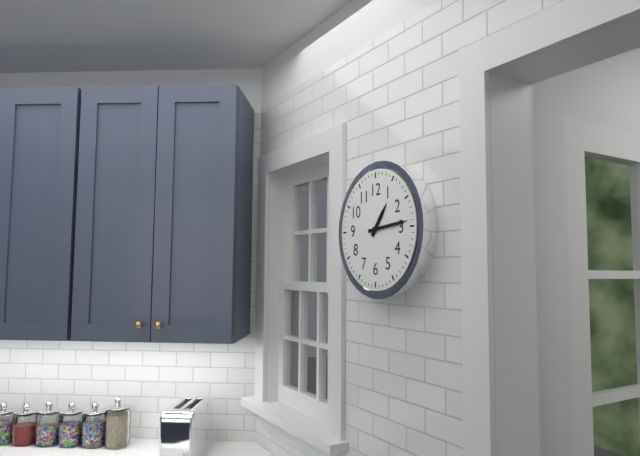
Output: **1:14**
